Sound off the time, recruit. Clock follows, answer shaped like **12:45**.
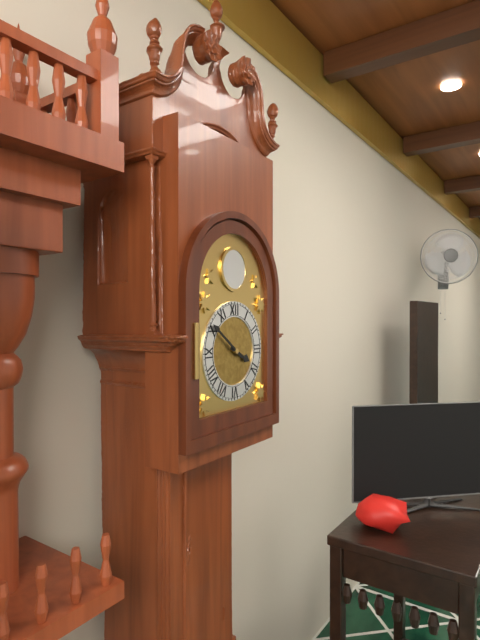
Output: **3:51**
